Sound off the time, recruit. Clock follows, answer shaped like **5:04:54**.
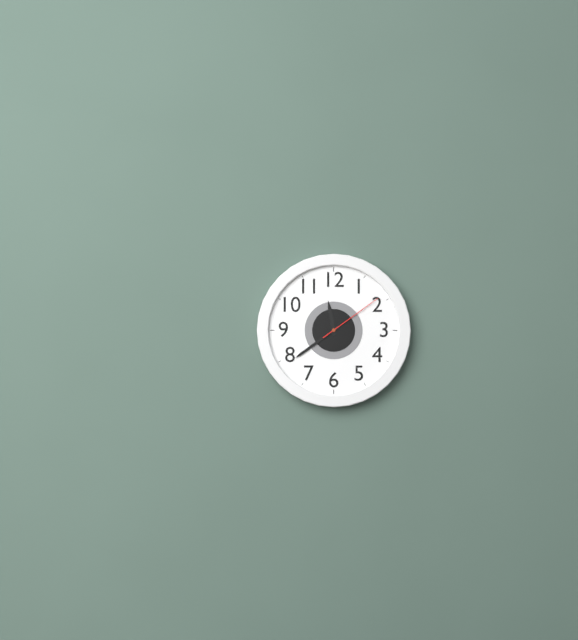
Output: **11:39:09**
